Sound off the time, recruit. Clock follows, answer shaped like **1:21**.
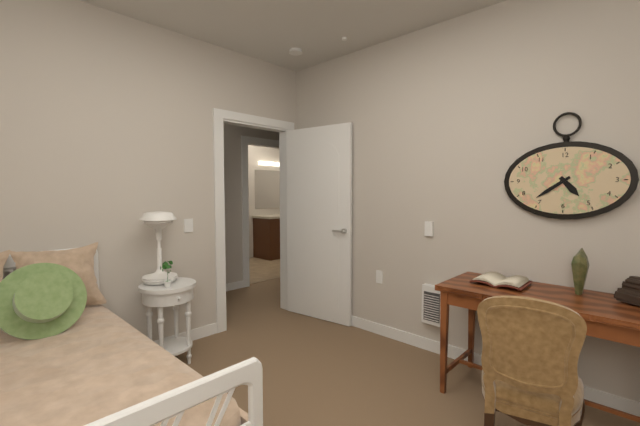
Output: **4:39**
